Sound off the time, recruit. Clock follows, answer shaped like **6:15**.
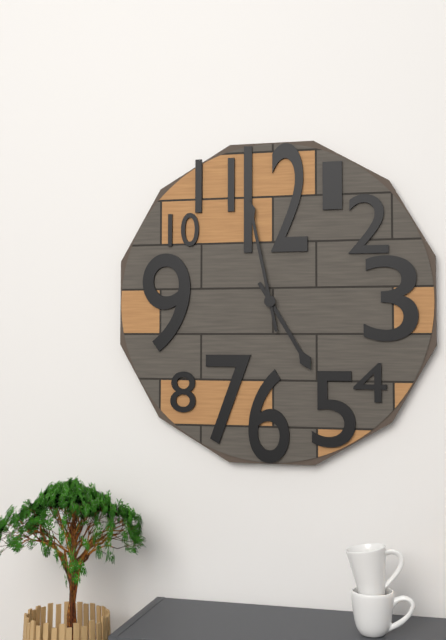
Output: **4:58**
